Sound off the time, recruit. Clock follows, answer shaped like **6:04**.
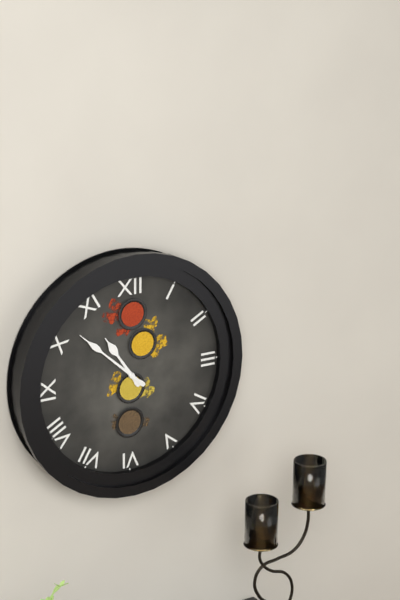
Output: **10:52**
